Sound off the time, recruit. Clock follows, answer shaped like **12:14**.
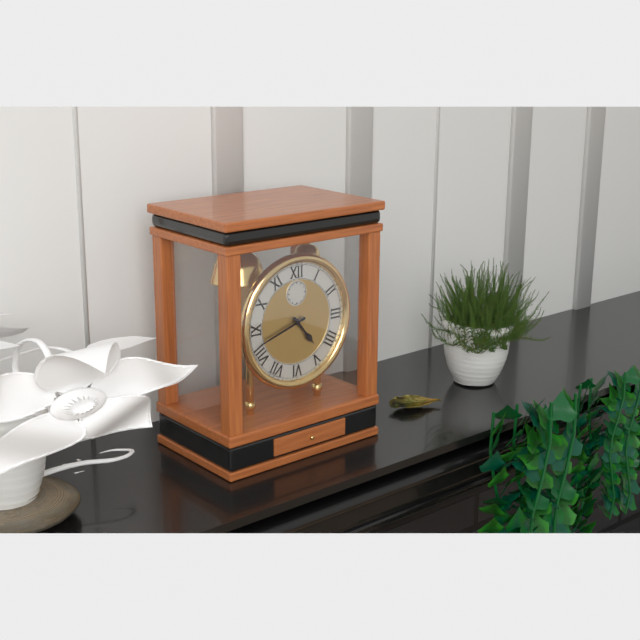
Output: **4:42**
